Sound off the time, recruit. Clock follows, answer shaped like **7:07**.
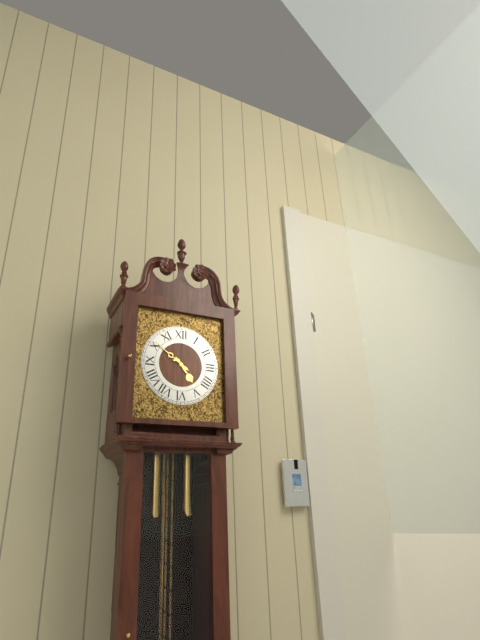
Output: **4:51**
